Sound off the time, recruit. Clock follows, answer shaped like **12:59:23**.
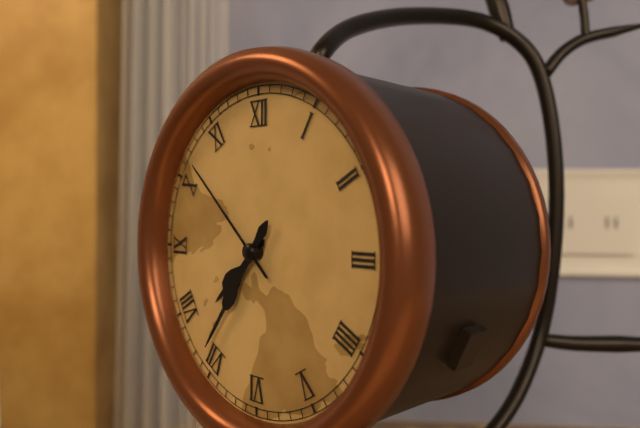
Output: **7:36:52**
